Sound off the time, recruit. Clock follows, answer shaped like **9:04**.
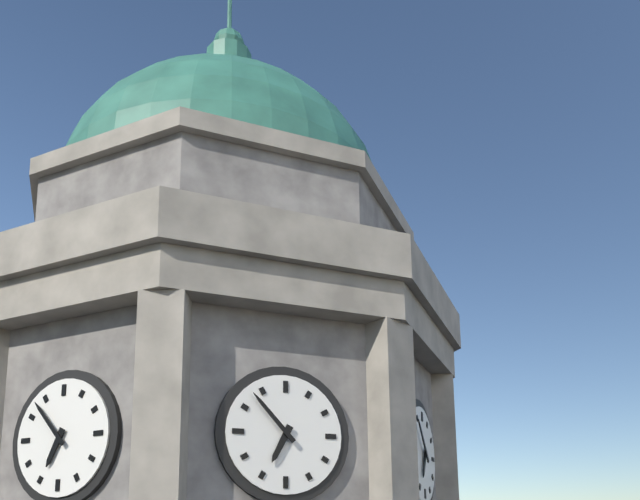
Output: **6:53**
